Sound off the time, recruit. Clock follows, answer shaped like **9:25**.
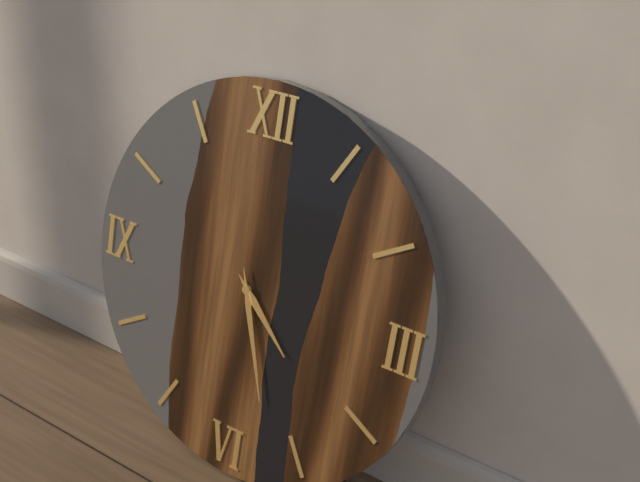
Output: **4:27**
